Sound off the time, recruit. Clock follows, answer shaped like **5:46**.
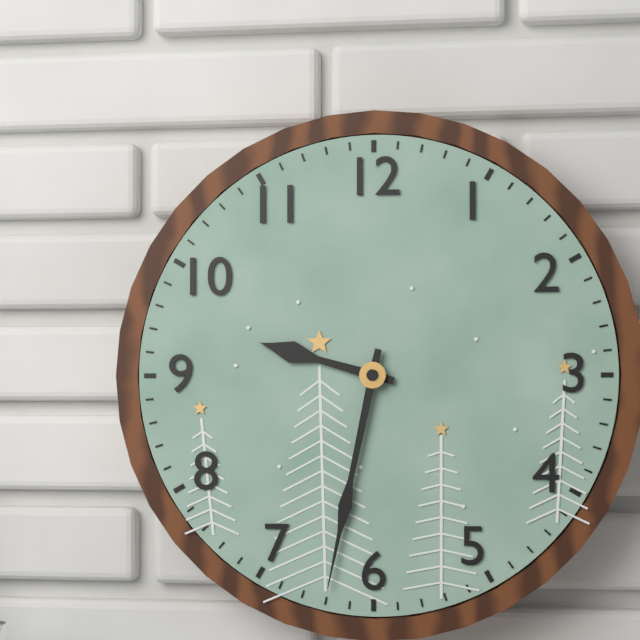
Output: **9:32**
